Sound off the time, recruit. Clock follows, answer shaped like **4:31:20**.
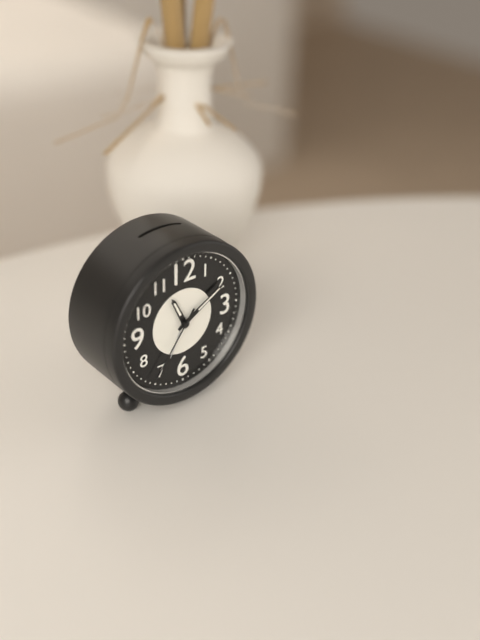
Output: **11:10:36**
